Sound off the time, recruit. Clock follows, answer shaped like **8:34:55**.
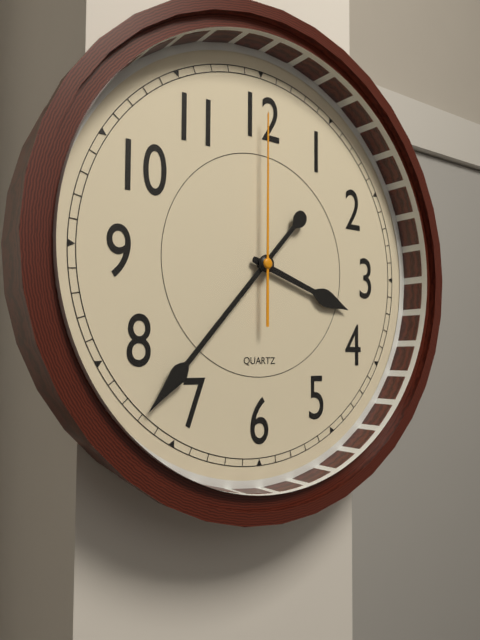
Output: **3:37:00**
